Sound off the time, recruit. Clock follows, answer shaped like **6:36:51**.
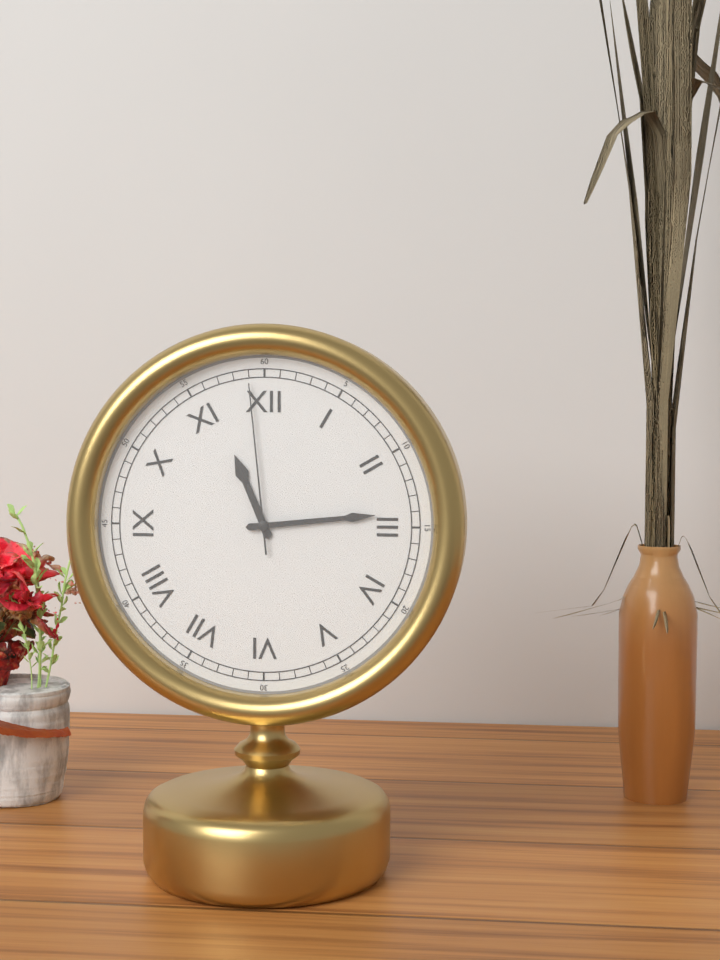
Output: **11:14:59**
